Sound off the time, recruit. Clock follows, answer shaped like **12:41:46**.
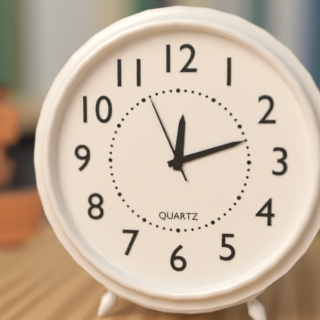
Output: **12:12:56**
